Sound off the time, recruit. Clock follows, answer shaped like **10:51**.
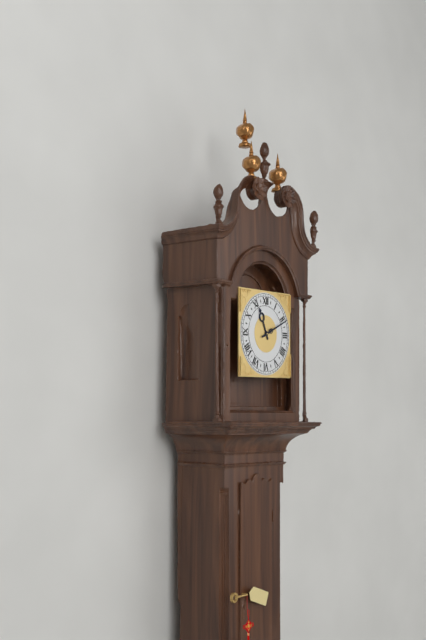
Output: **11:11**
